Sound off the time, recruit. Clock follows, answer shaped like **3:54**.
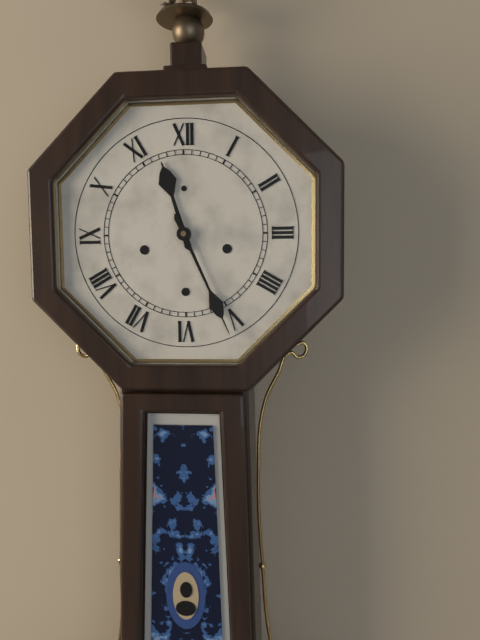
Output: **11:26**
